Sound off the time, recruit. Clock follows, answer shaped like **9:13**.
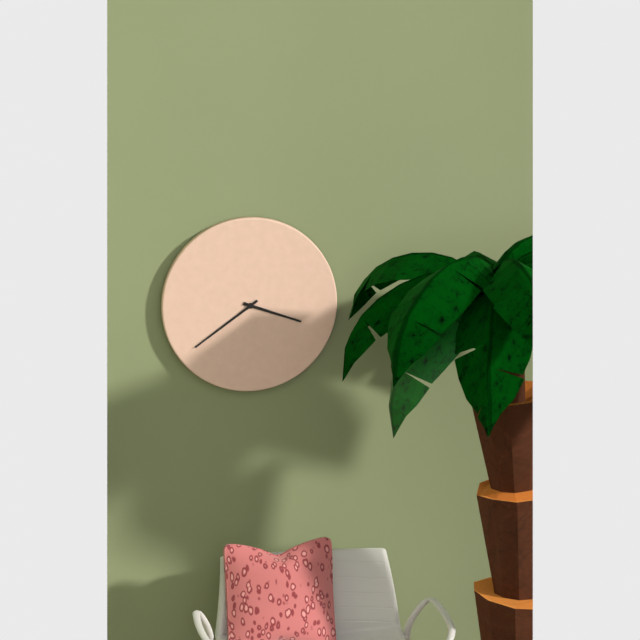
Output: **3:39**
